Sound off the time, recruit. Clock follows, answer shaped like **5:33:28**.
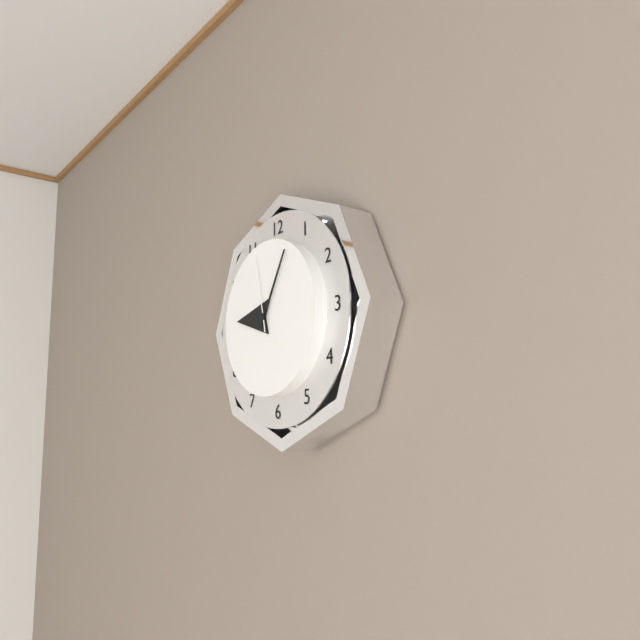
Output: **9:05:58**
